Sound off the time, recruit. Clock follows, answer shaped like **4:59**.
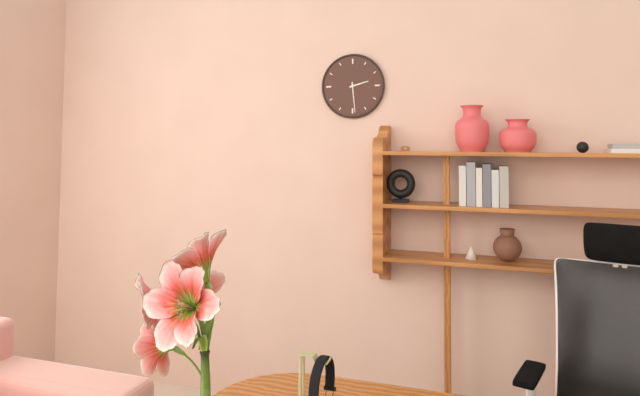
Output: **2:29**
